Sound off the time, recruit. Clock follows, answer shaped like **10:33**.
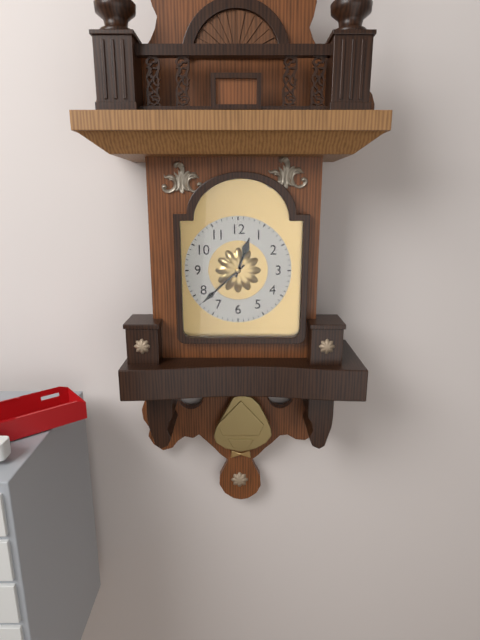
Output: **12:38**
